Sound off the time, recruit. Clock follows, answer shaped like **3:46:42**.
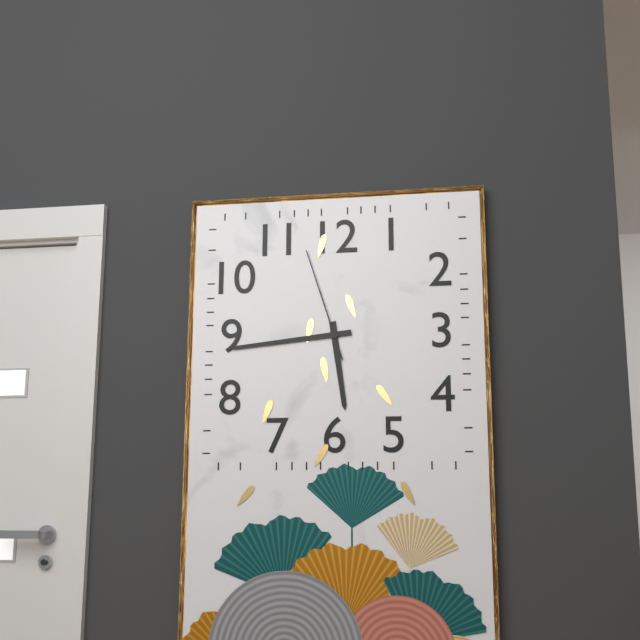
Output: **5:44:57**
